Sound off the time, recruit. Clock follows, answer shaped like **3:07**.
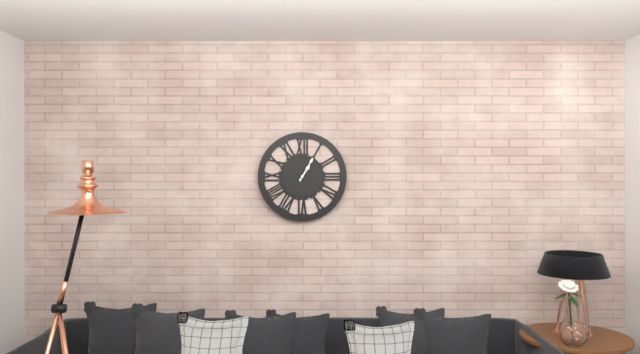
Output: **1:05**
